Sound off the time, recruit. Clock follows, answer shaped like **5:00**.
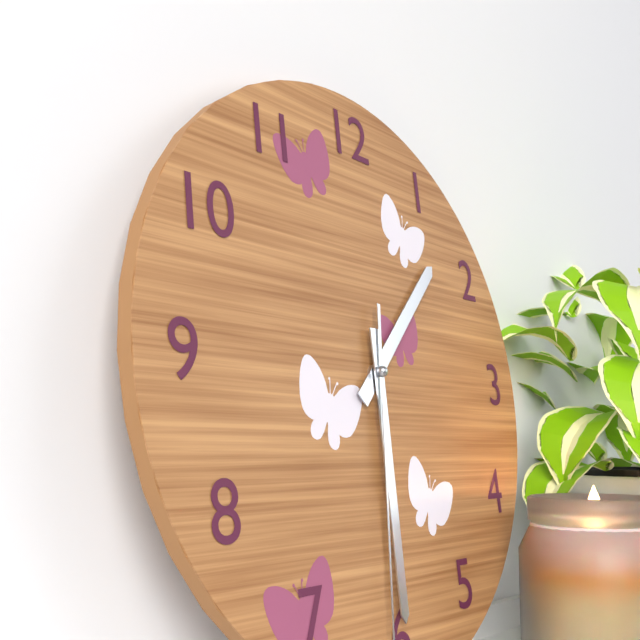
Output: **1:30**
